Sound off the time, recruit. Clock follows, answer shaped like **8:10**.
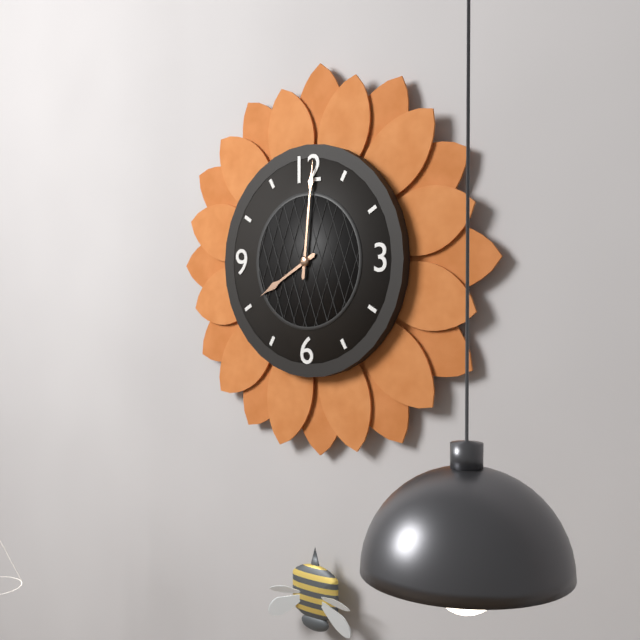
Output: **8:01**
